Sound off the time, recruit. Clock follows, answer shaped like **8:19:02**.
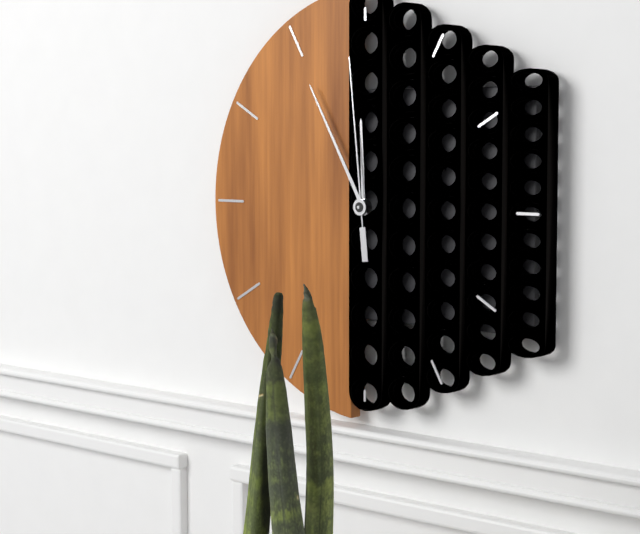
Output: **11:55:59**
